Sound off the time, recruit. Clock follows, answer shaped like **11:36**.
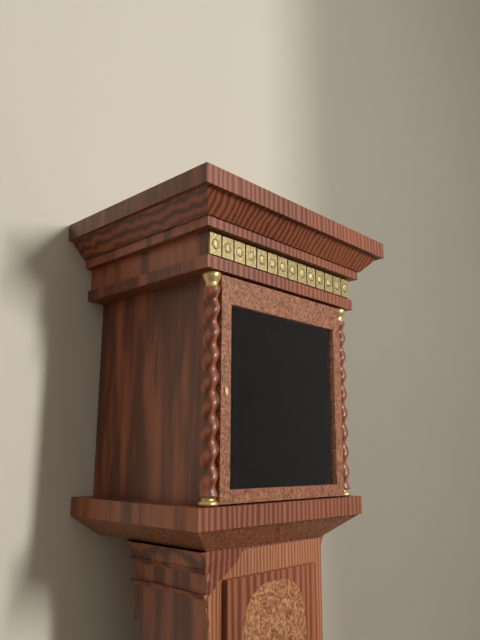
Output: **8:46**
